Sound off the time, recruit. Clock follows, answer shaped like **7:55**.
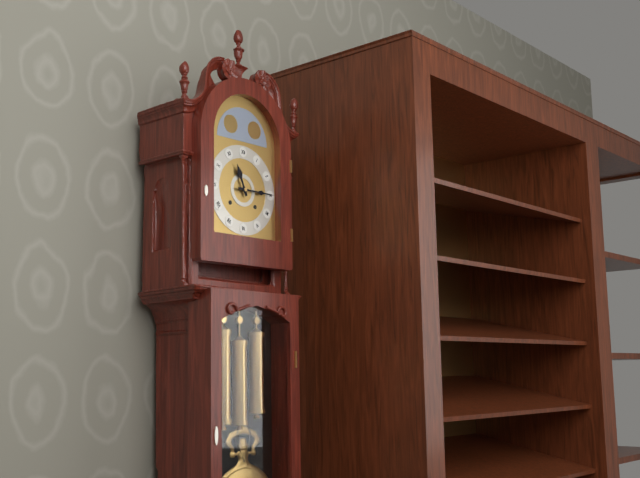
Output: **11:15**
